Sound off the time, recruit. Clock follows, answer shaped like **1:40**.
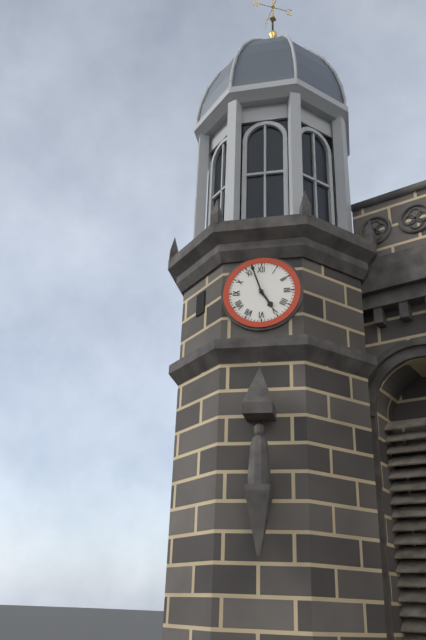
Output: **4:57**
